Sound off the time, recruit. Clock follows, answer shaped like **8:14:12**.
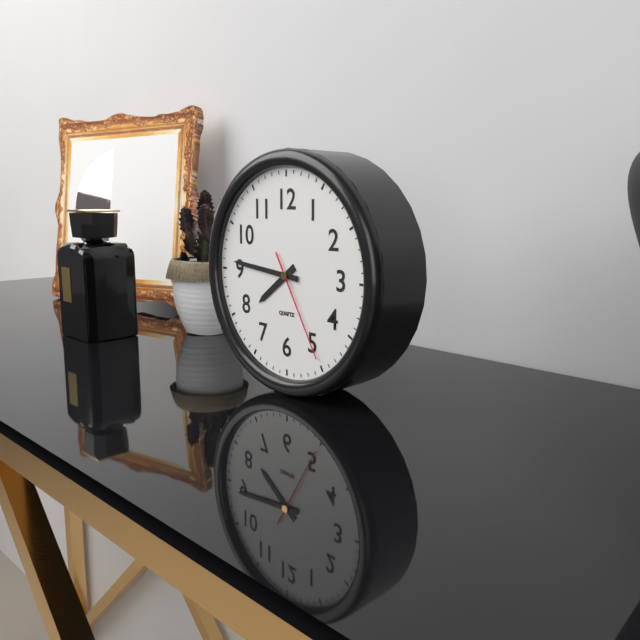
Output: **7:46:25**
